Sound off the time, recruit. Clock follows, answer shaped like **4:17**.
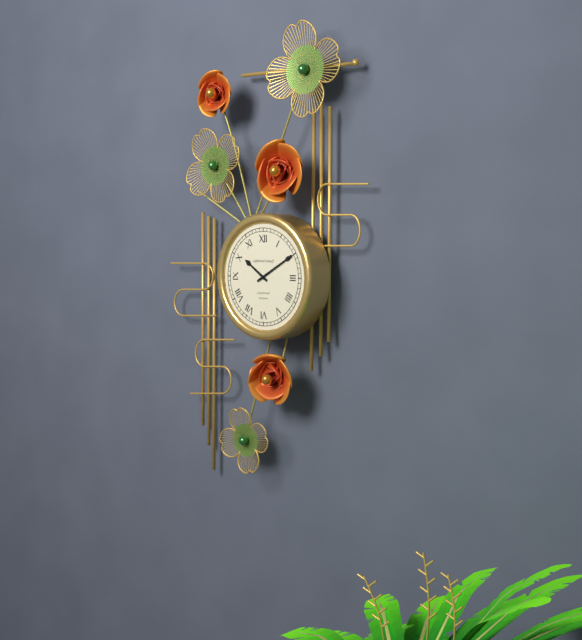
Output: **10:10**
